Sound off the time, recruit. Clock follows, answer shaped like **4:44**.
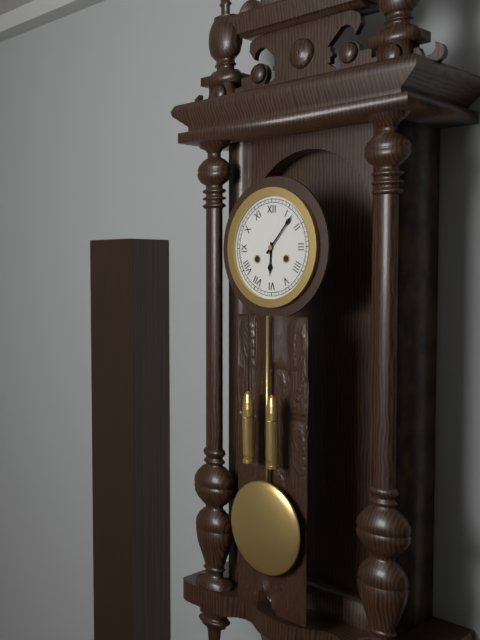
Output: **6:07**
